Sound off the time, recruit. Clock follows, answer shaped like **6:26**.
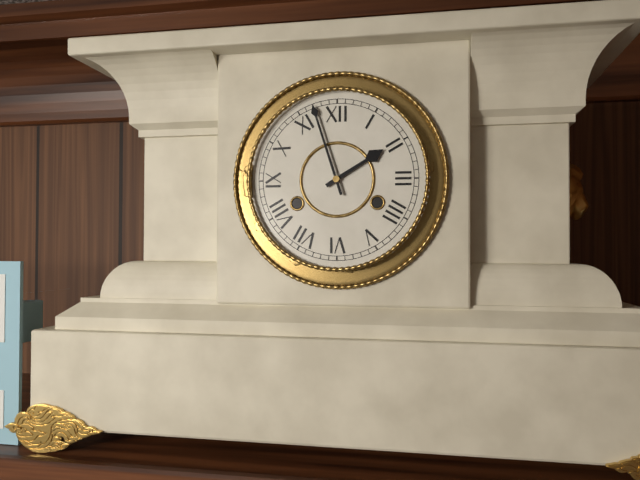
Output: **1:57**
